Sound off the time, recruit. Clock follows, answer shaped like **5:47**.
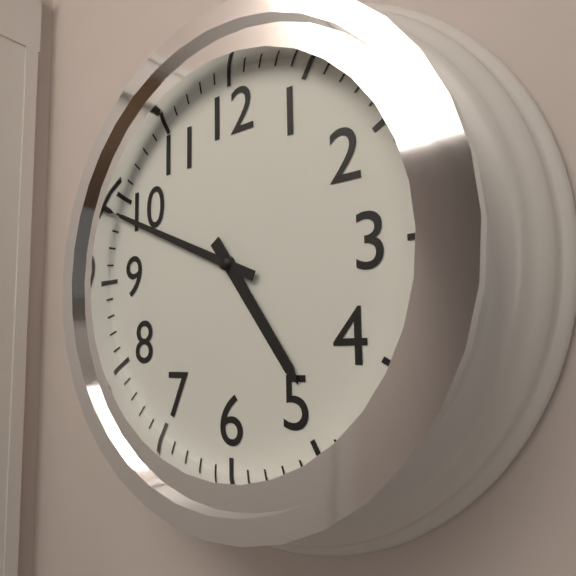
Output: **4:49**
